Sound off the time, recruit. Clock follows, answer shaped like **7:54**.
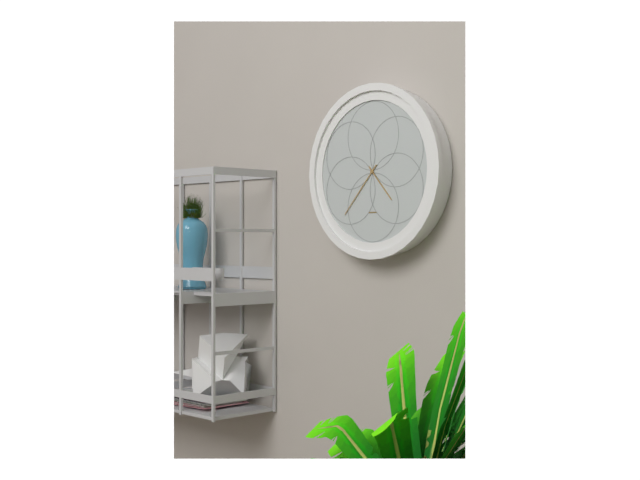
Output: **4:37**
